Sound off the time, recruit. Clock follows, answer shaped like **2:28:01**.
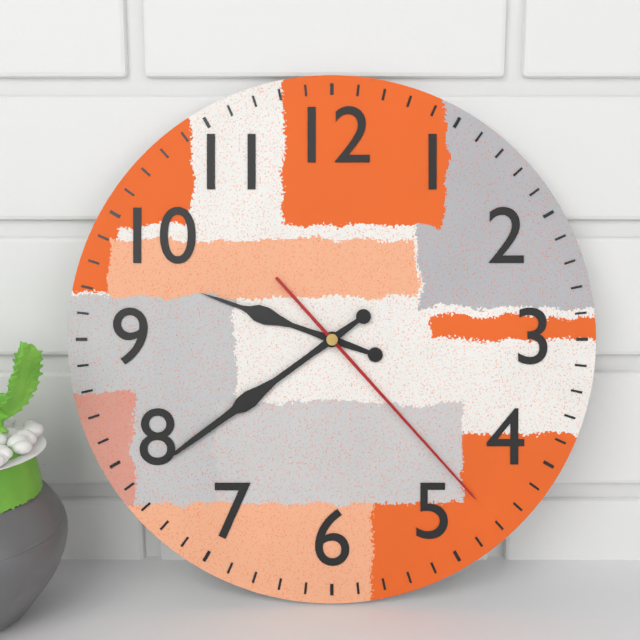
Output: **9:39:23**
